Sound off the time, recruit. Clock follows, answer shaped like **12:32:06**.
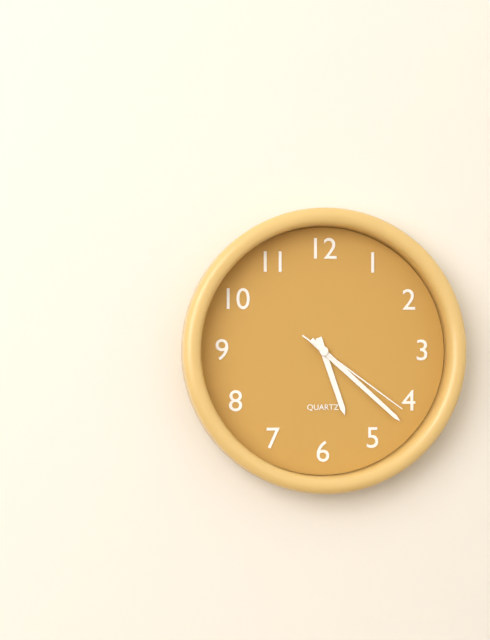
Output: **5:22:21**
